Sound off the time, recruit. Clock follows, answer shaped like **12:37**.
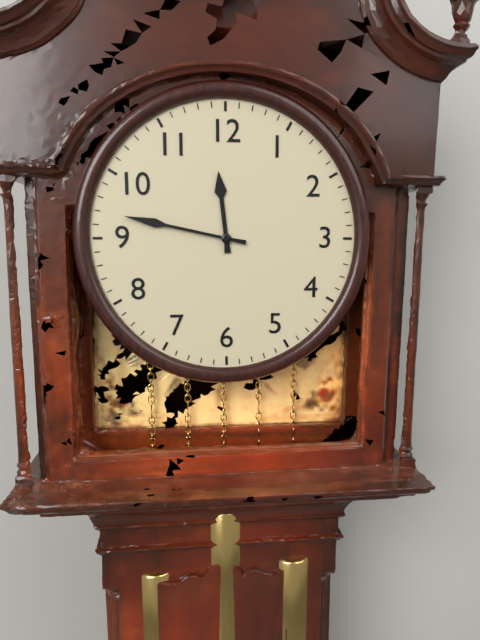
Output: **11:47**
